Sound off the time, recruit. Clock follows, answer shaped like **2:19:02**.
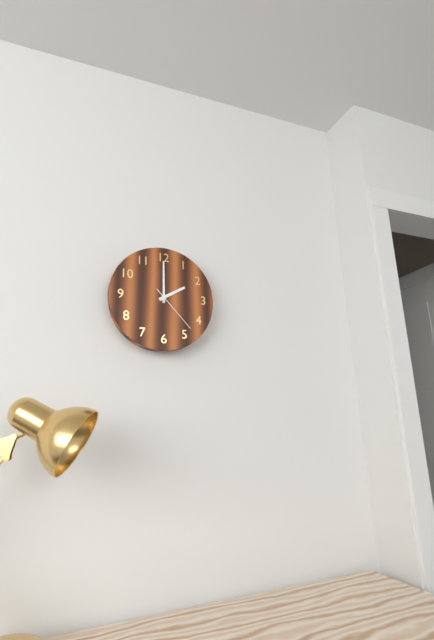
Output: **2:00:23**
